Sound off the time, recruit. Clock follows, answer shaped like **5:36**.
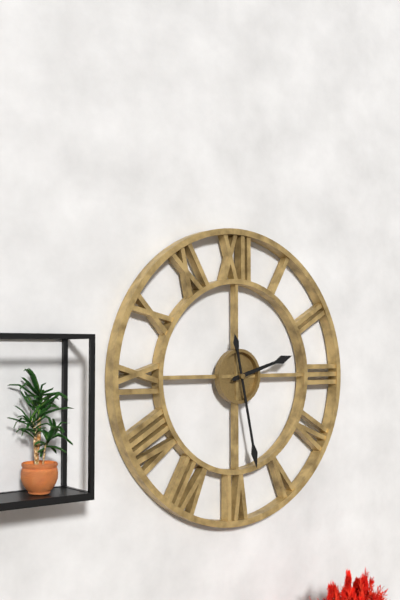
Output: **2:28**
